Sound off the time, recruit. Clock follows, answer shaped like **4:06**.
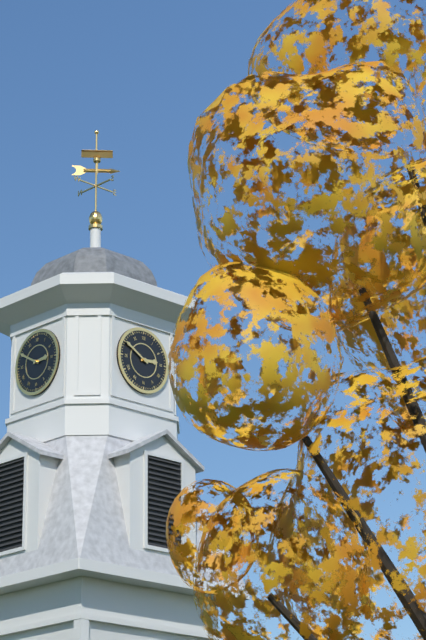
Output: **2:50**
